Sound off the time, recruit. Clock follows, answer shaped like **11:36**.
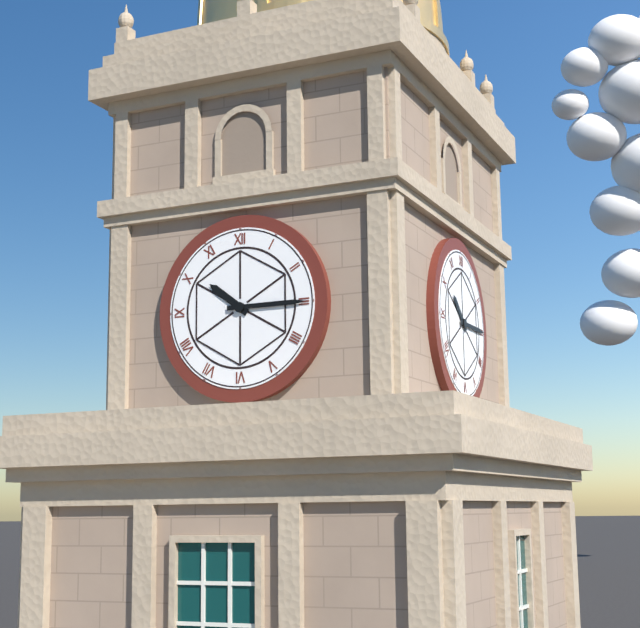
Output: **10:15**
